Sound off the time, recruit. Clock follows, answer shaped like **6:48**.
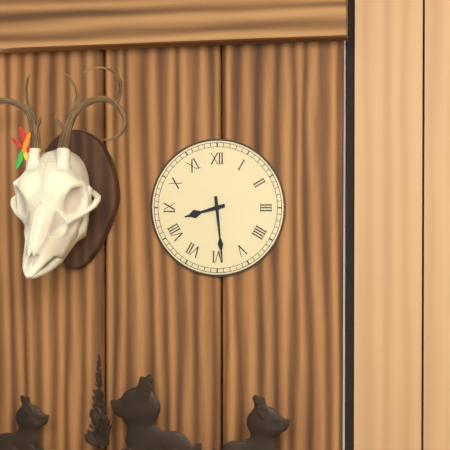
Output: **8:29**
